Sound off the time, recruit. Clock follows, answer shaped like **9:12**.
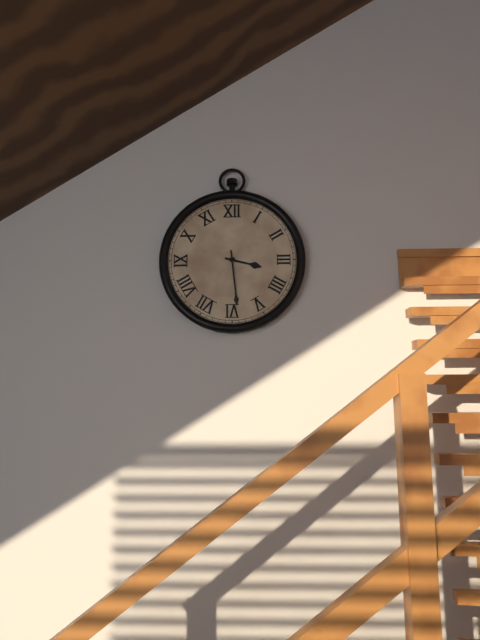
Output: **3:29**
